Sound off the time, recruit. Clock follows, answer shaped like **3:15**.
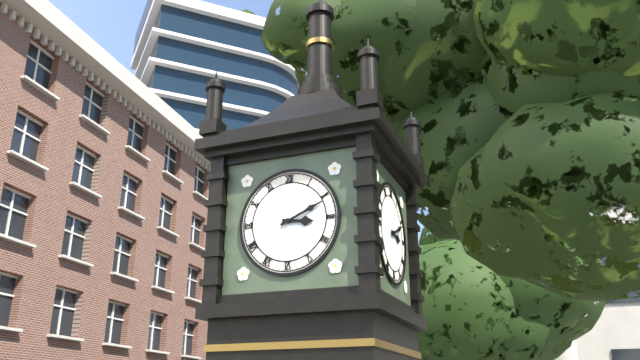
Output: **3:11**
